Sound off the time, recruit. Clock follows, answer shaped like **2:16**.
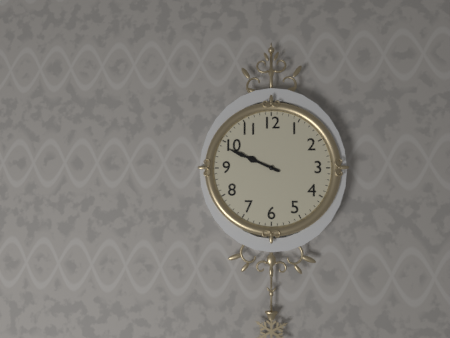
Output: **9:49**
